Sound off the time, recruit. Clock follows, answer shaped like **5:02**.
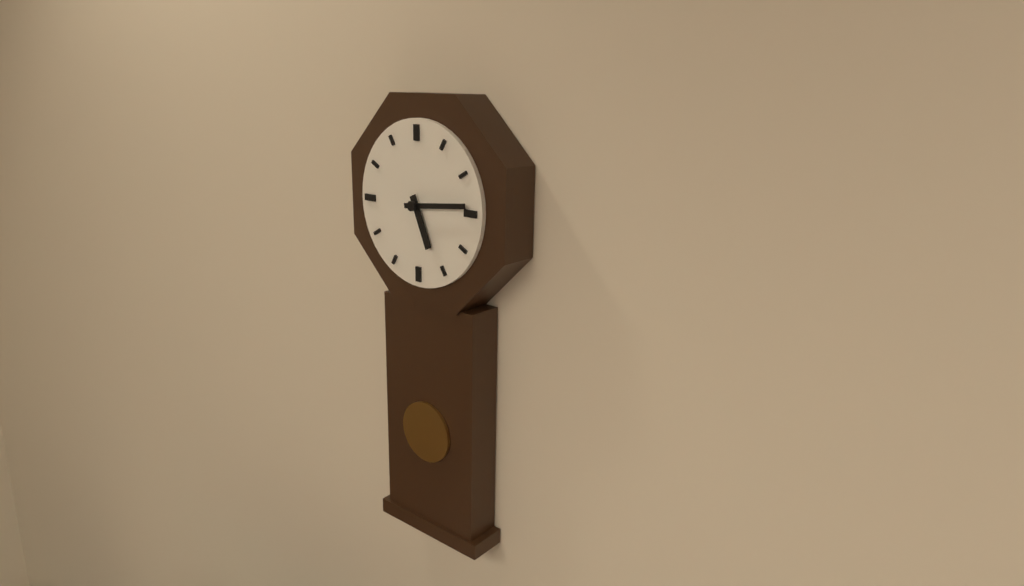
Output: **5:14**
